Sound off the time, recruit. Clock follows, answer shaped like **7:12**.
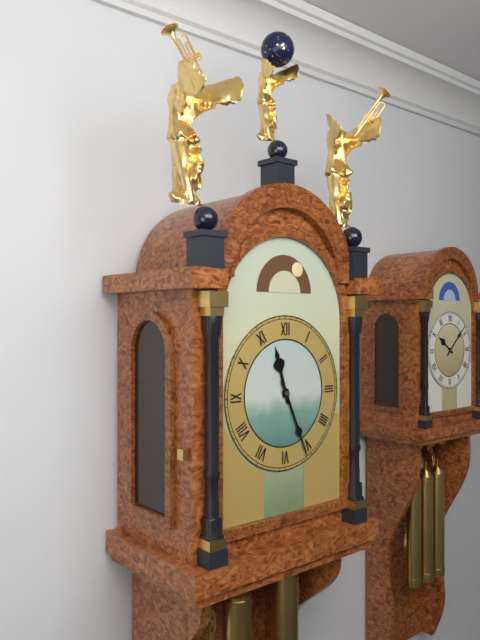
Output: **11:26**
